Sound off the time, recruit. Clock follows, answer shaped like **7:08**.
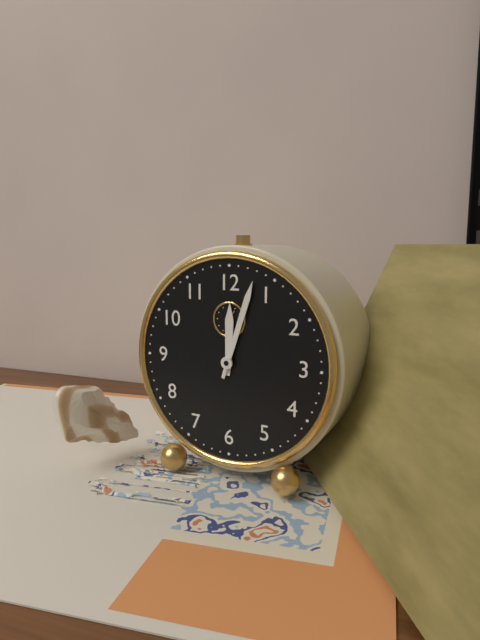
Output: **12:03**
